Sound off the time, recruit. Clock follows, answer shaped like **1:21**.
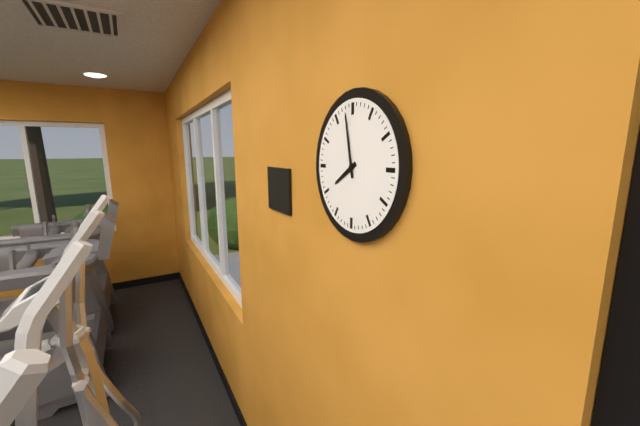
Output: **7:58**
